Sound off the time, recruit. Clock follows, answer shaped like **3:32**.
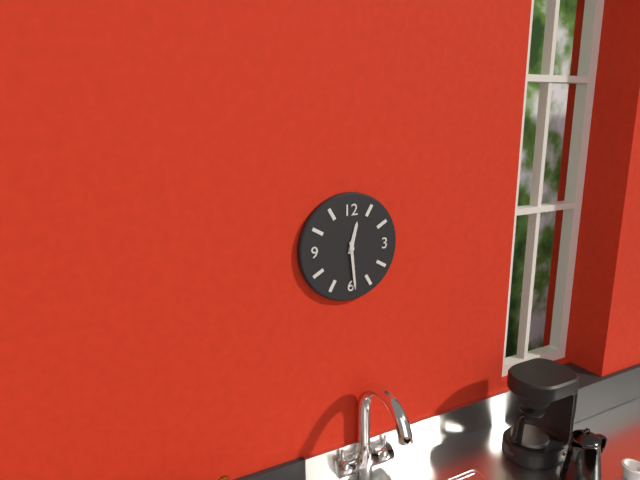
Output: **12:29**
